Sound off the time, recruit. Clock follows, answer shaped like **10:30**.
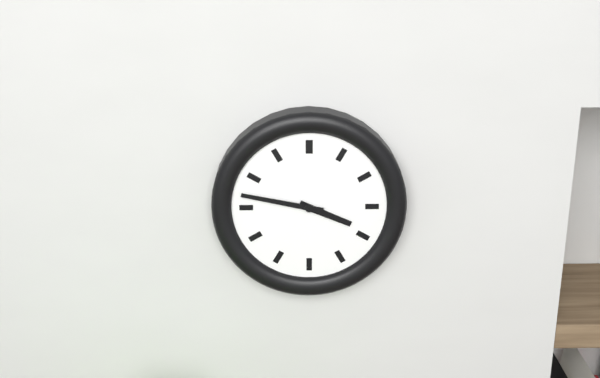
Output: **3:47**
